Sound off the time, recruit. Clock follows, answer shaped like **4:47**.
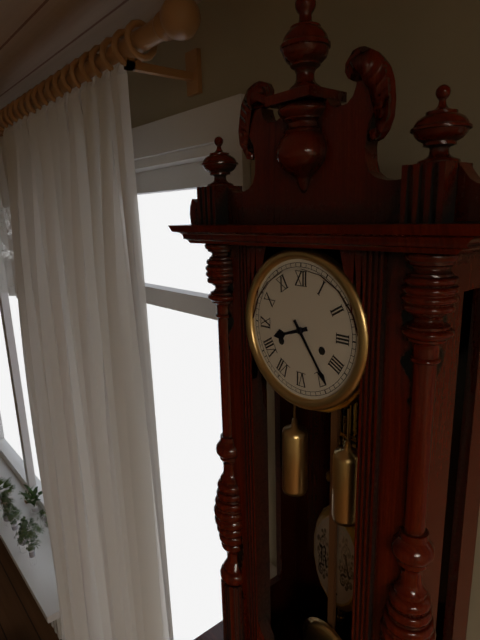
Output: **8:24**
